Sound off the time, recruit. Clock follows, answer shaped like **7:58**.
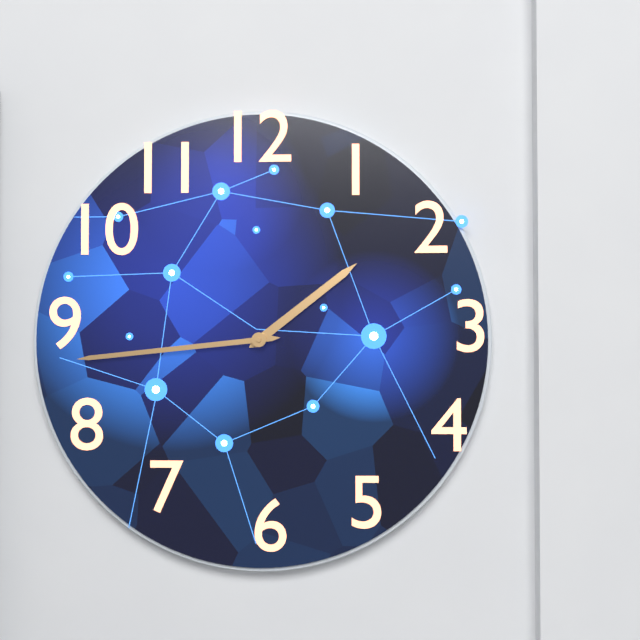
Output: **1:44**
